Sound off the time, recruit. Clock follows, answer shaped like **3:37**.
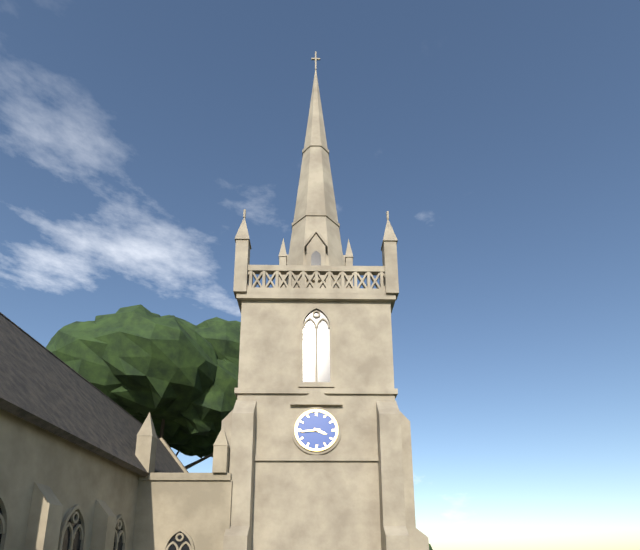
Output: **3:44**
